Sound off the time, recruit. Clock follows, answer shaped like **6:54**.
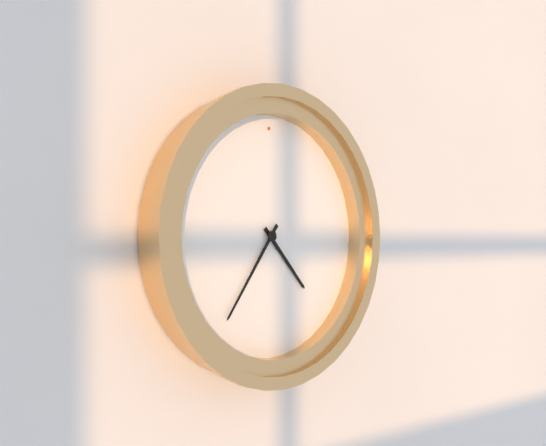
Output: **4:36**
